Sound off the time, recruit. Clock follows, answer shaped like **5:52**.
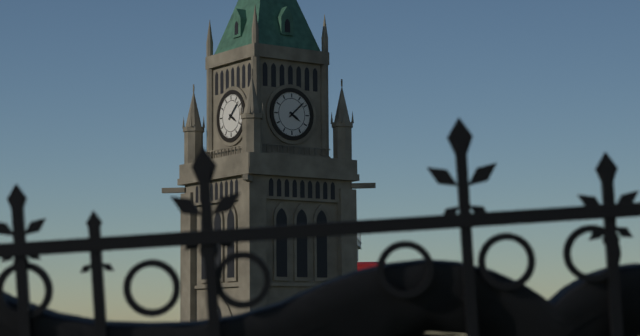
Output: **4:08**
